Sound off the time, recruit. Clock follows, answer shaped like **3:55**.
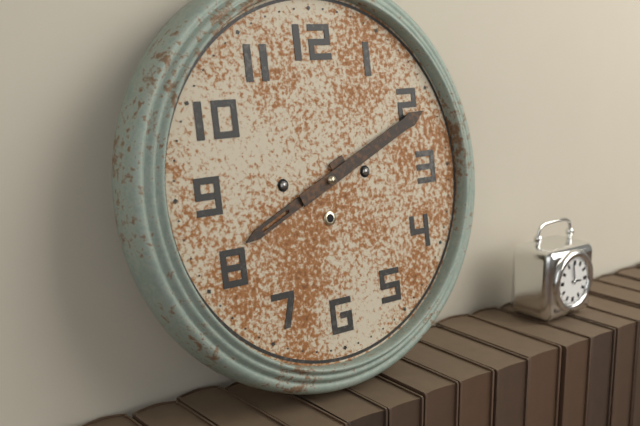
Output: **8:11**
